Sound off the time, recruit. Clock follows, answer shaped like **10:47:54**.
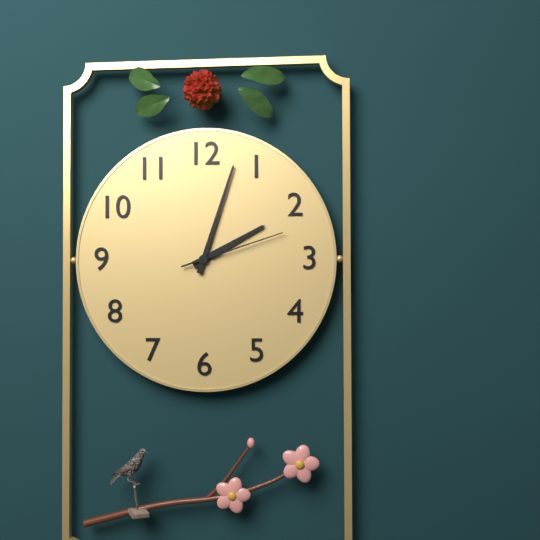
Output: **2:03:12**
